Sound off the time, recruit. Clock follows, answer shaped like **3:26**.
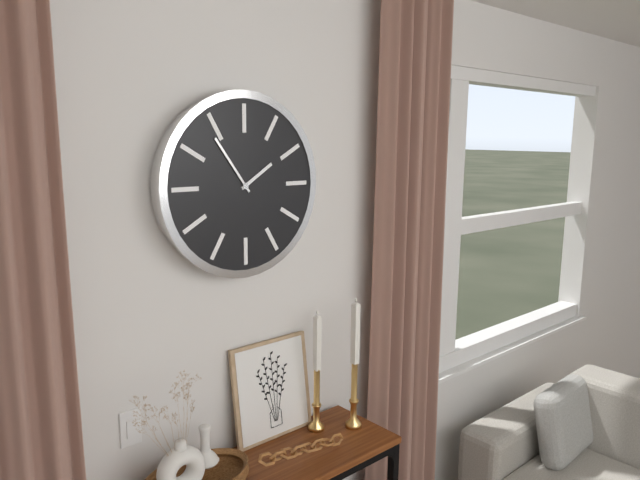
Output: **1:54**
